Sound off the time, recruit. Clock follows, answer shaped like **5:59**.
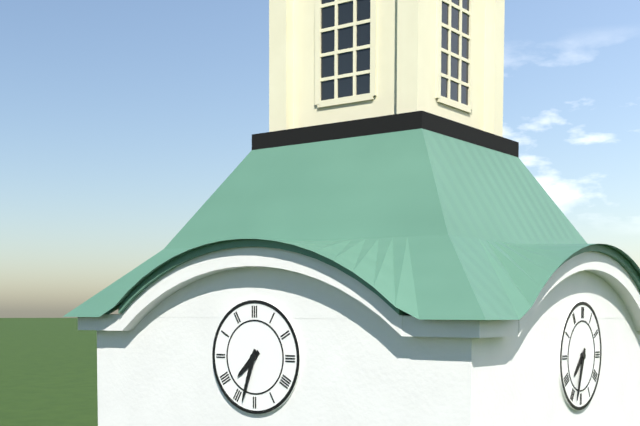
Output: **7:33**
